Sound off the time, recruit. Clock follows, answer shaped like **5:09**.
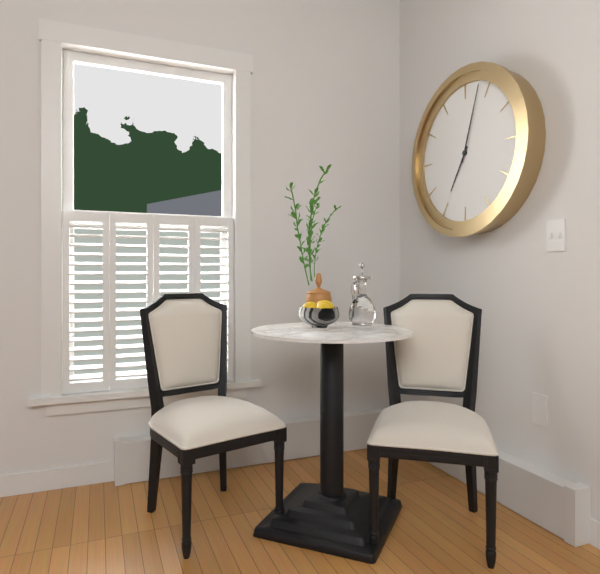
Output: **7:03**
